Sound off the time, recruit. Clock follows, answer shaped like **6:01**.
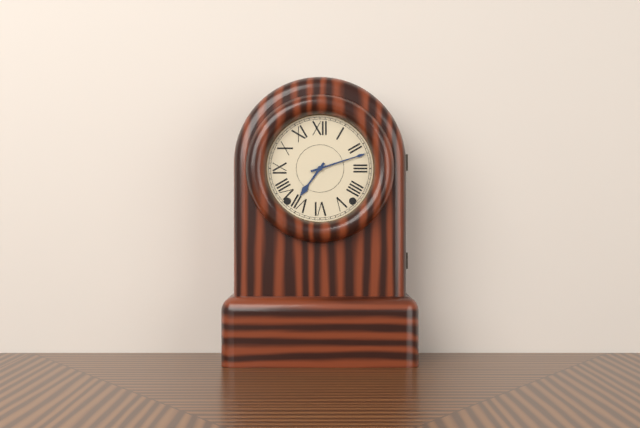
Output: **7:12**
